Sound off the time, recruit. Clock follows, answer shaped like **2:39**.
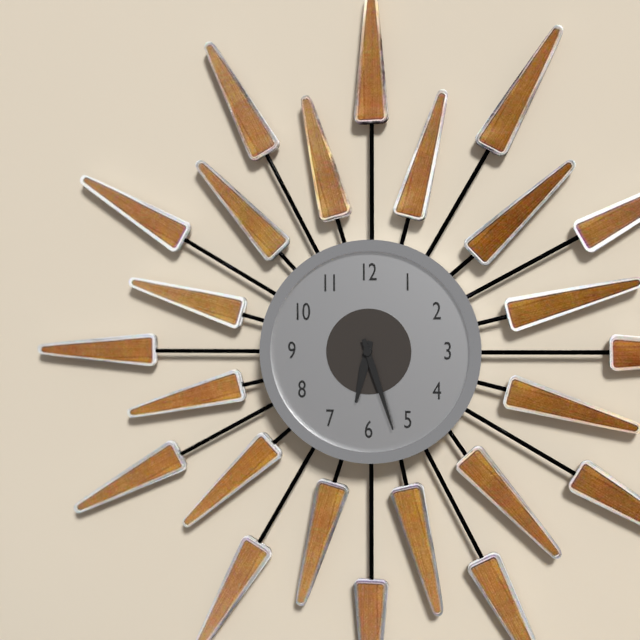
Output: **6:27**
